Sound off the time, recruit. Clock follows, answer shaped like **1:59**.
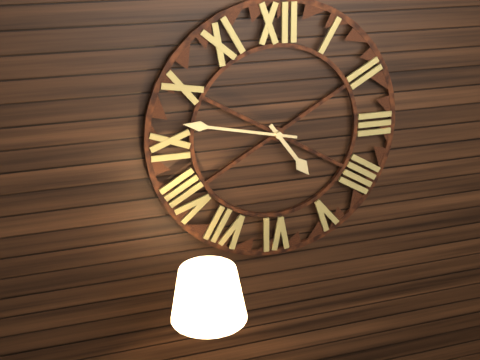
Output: **4:47**
